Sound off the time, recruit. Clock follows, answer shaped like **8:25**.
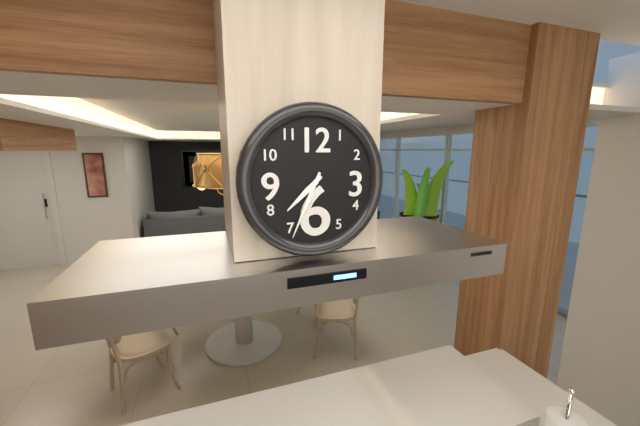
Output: **7:34**
